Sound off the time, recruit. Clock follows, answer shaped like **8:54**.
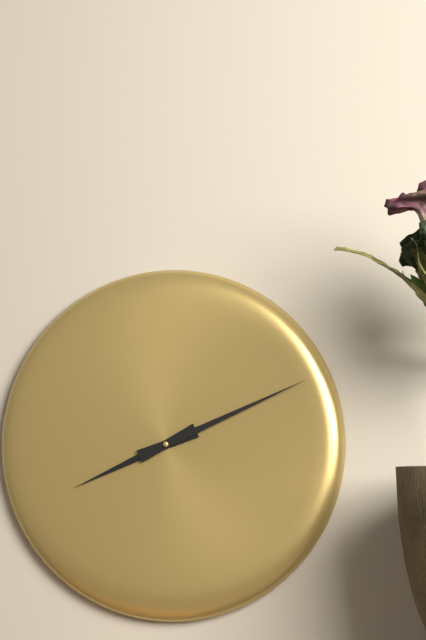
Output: **8:11**
